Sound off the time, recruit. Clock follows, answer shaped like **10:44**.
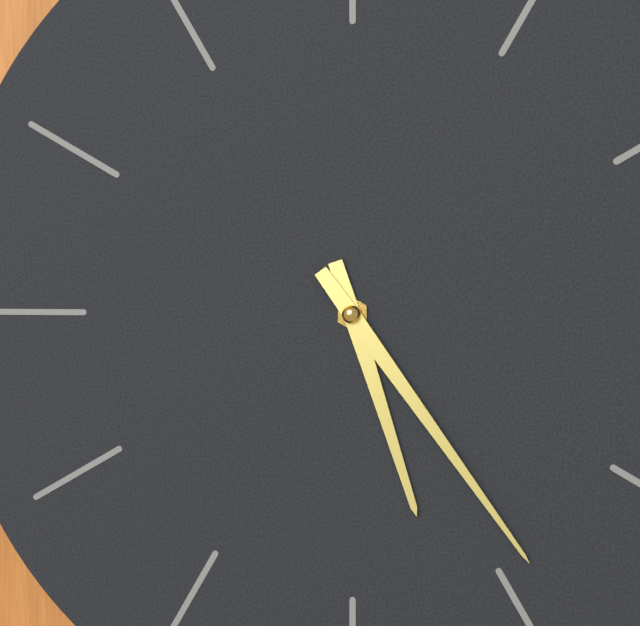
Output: **5:24**
